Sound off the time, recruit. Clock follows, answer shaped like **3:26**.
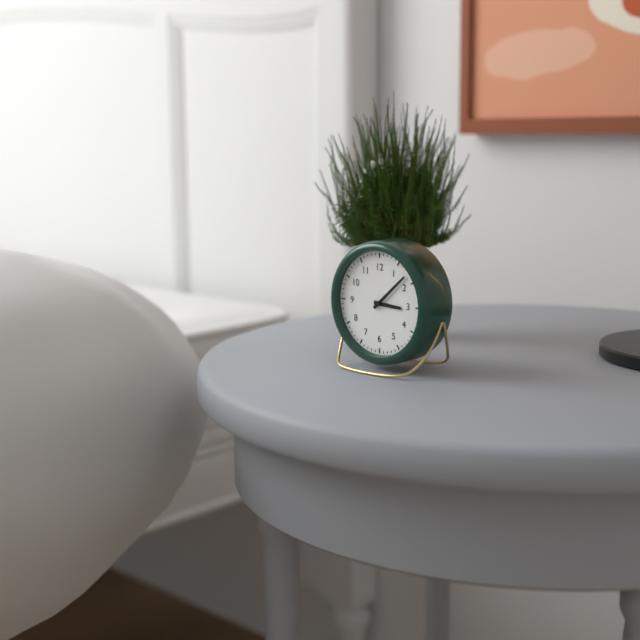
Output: **3:08**
